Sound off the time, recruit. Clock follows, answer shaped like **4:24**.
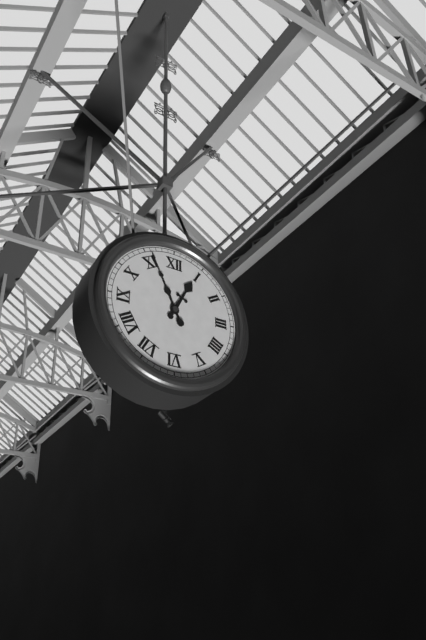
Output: **12:56**
